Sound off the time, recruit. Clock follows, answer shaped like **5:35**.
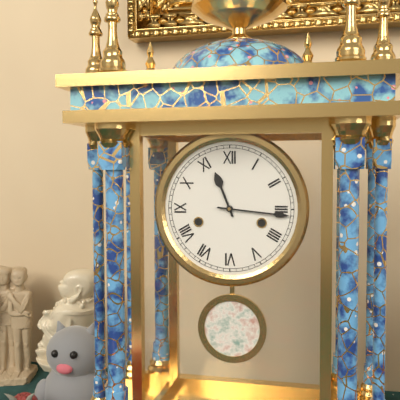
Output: **11:16**
